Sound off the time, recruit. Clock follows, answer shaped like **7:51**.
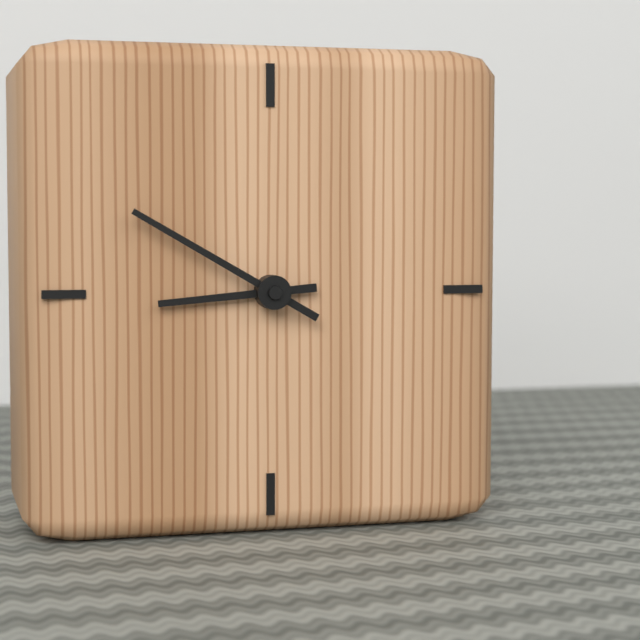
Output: **8:50**
